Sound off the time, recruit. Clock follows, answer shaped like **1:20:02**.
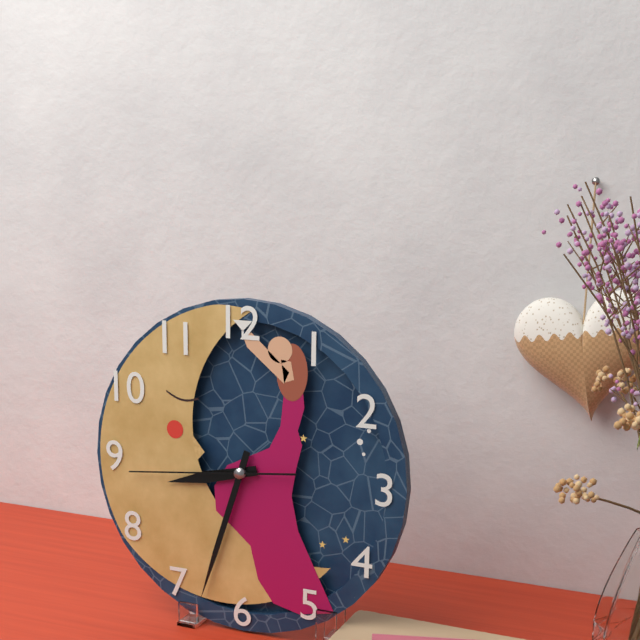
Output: **8:33:44**
